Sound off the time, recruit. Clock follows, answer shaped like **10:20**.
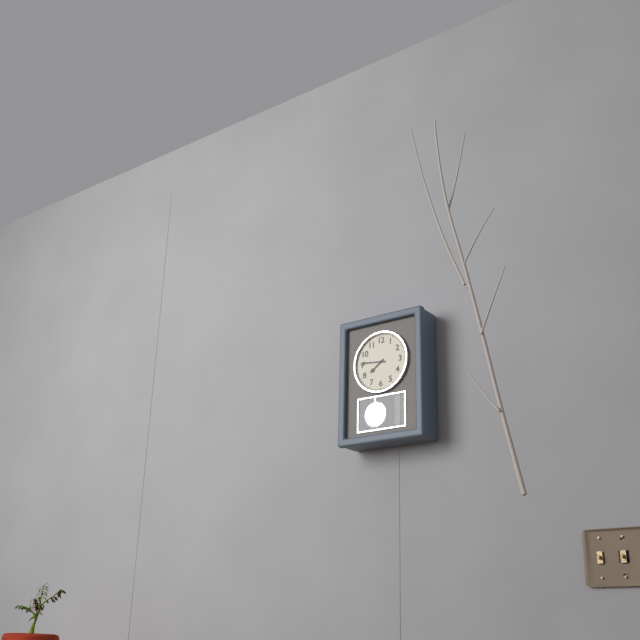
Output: **7:46**
